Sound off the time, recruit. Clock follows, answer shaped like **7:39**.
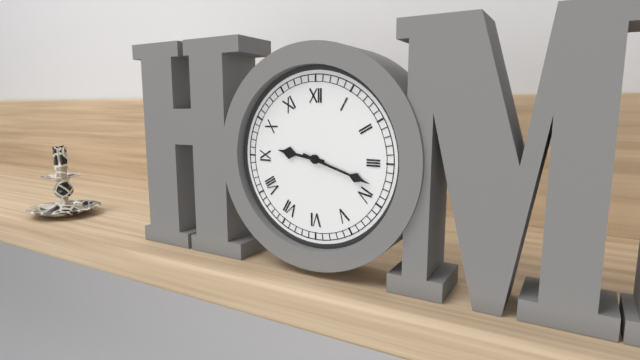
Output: **9:18**
